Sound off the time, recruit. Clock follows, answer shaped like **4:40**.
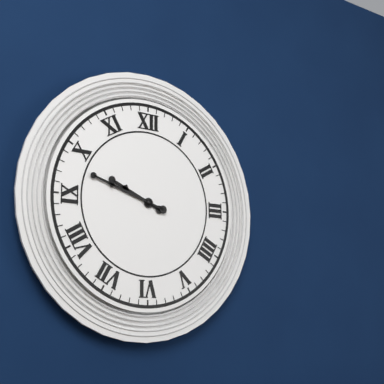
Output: **9:48**
